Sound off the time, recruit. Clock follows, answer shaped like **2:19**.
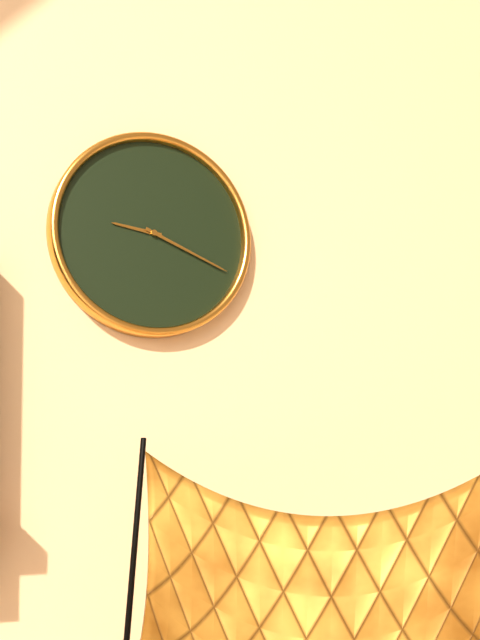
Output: **9:19**
